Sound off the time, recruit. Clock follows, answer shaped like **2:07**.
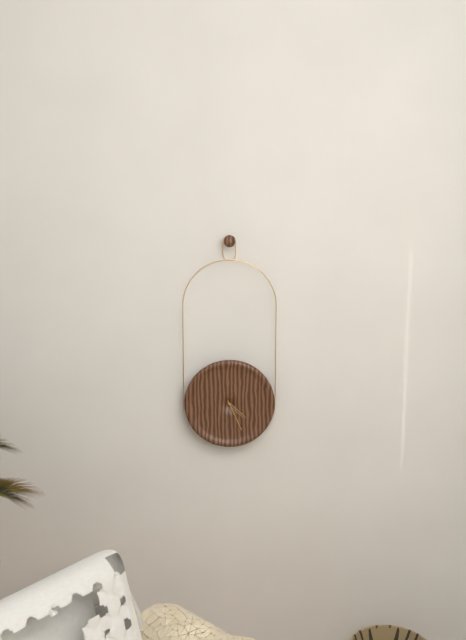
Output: **4:26**
